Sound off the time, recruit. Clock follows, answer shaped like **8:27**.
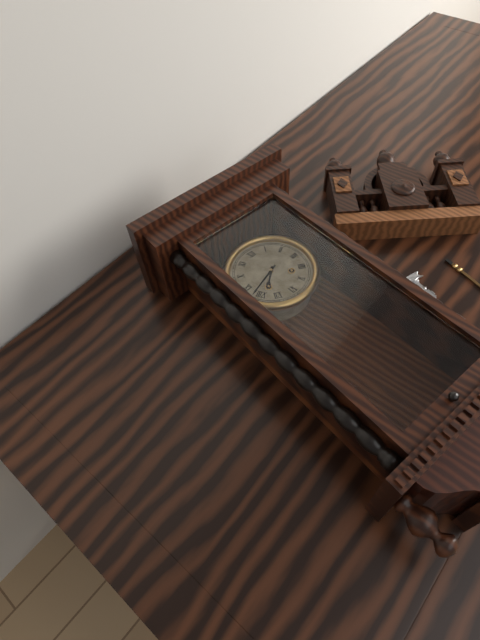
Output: **7:42**
